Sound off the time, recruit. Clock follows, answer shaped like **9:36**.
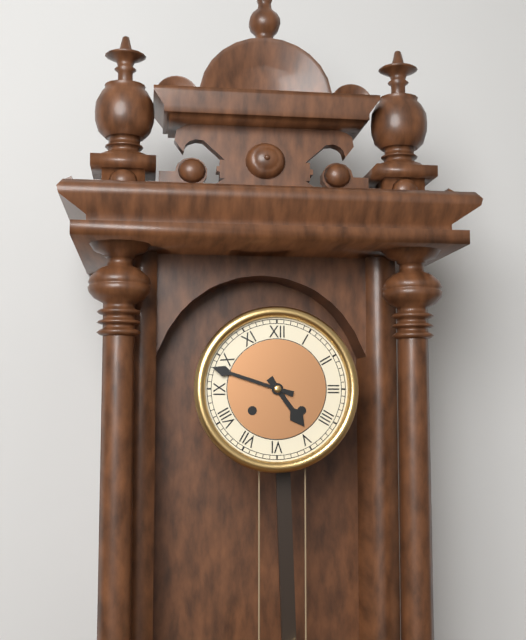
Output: **4:48**
